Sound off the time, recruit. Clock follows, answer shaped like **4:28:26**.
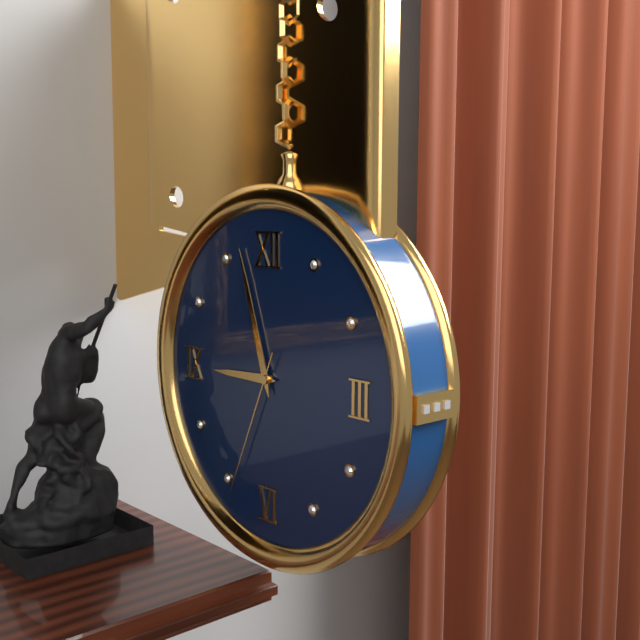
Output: **8:57:34**
